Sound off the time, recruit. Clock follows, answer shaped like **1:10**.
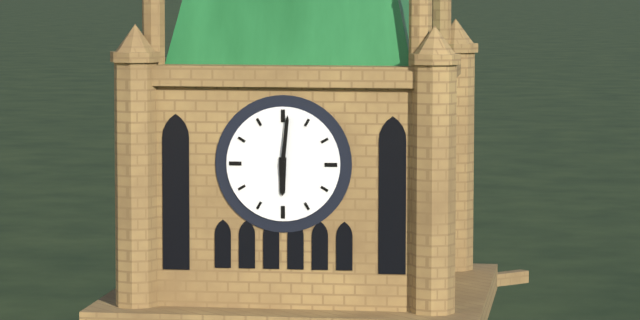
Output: **6:01**
